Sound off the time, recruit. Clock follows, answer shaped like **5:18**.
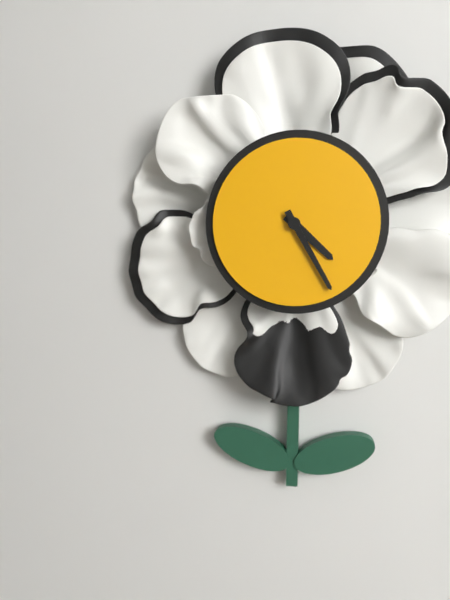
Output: **4:25**
